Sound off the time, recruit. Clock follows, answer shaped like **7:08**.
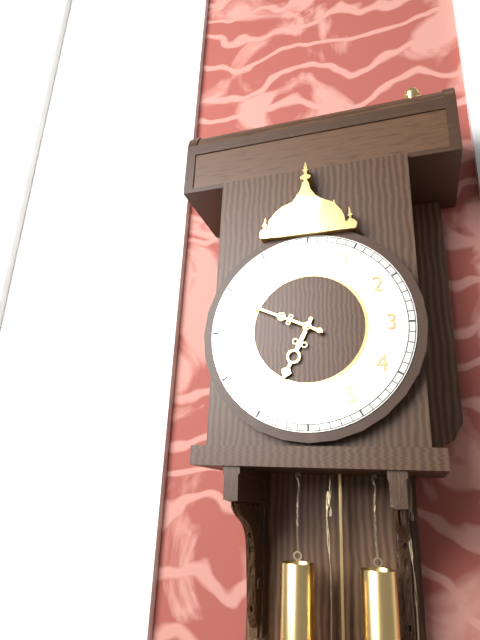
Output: **6:49**
